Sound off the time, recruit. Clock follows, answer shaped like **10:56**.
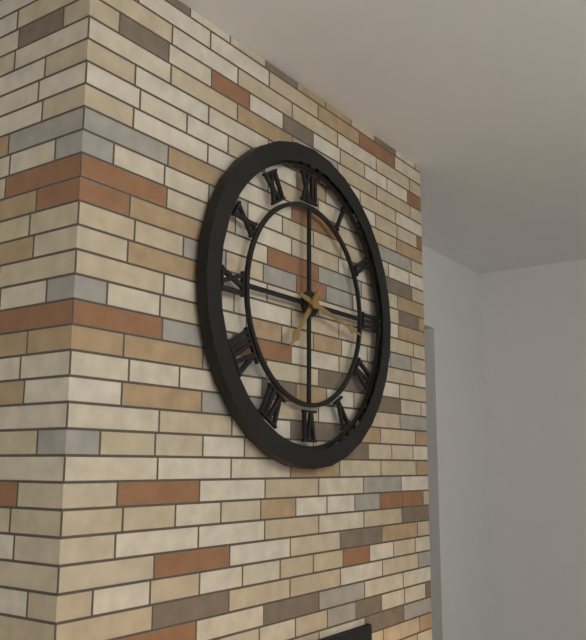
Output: **7:17**
